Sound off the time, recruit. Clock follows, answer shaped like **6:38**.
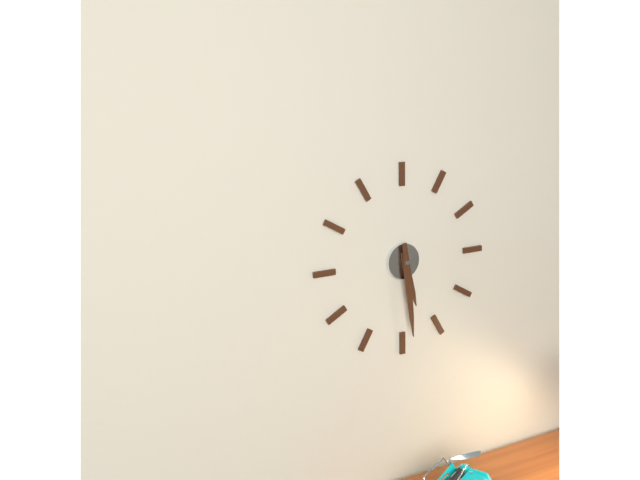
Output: **5:29**
